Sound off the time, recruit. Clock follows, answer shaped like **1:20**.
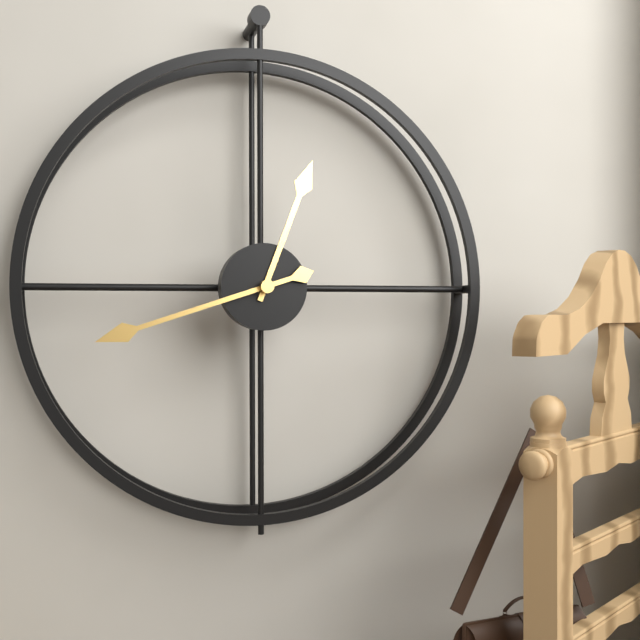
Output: **12:42**
